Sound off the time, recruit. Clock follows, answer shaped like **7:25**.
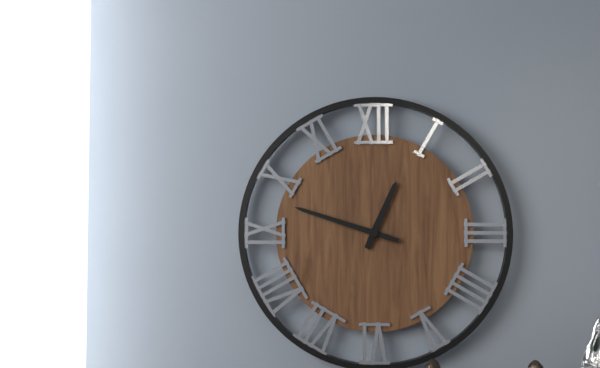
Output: **12:48**
